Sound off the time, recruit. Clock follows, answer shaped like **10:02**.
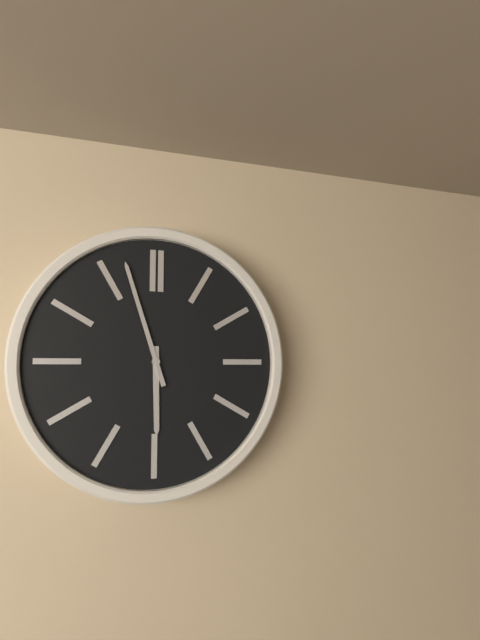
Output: **5:57**
